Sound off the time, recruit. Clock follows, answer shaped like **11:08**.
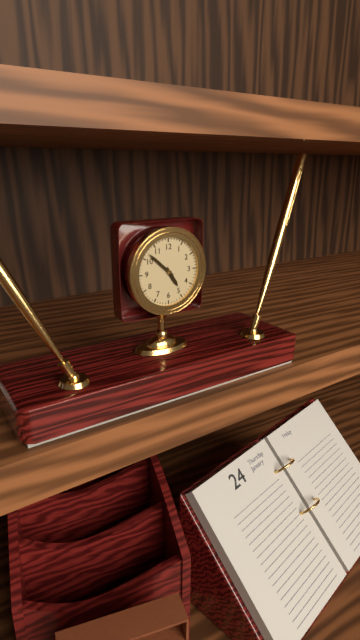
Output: **4:52**
